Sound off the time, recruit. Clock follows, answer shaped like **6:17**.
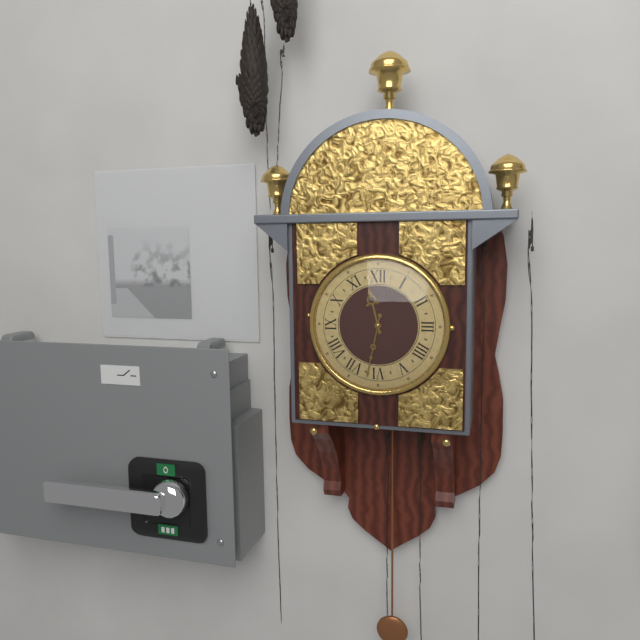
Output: **11:32**
